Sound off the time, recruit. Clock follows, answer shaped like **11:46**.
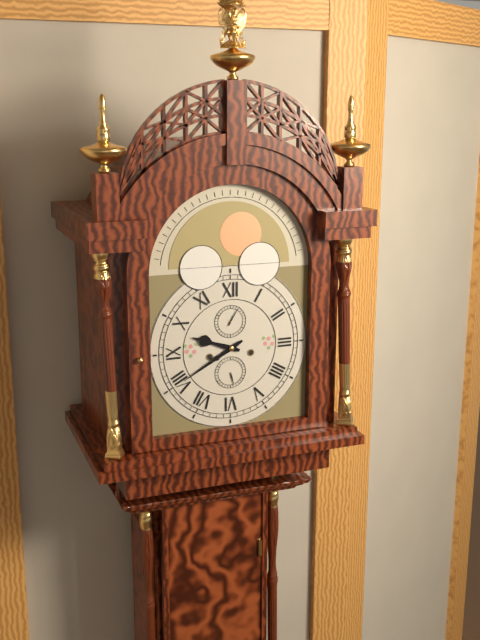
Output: **9:40**
